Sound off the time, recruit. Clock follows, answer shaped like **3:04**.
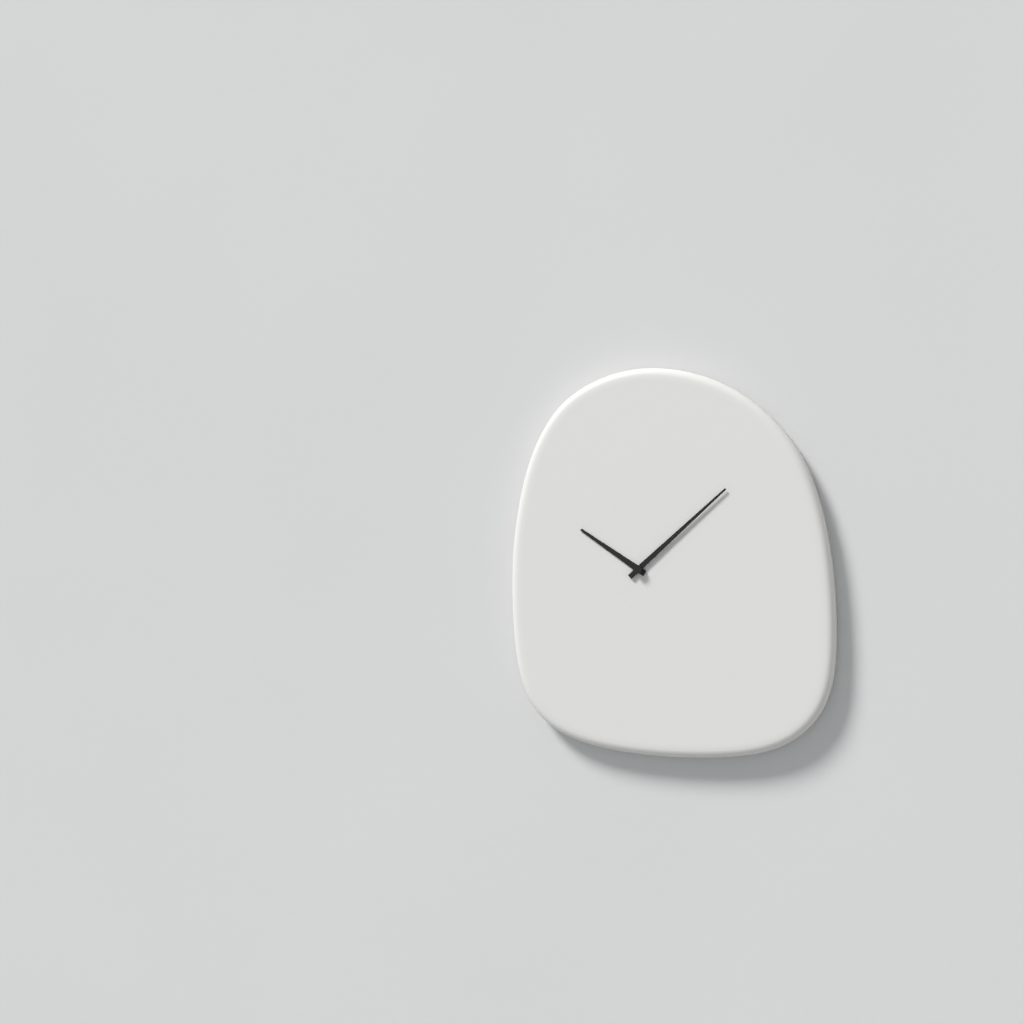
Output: **10:08**
